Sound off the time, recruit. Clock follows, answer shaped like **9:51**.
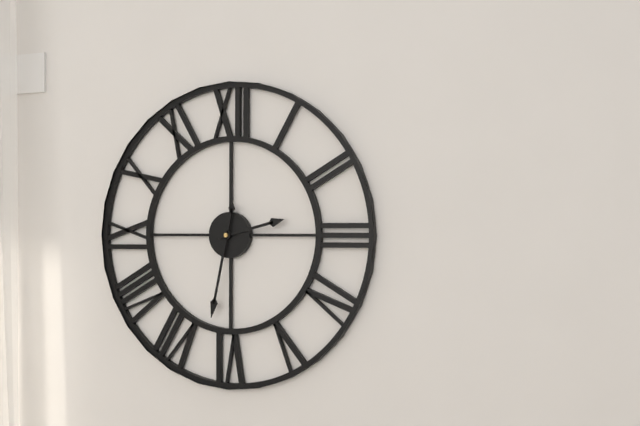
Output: **2:32**
